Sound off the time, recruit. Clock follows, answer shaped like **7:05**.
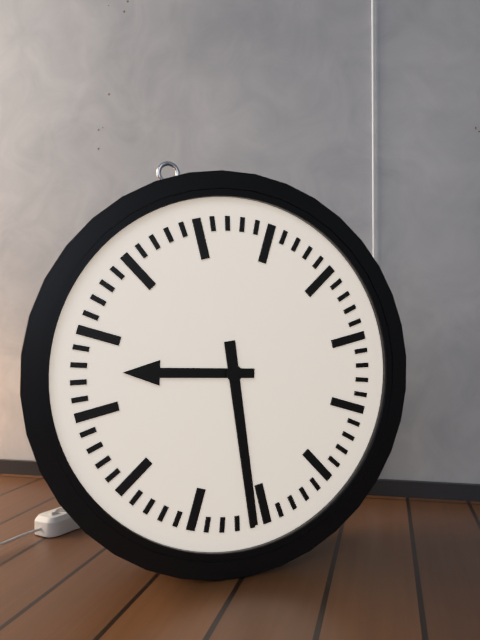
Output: **9:31**
